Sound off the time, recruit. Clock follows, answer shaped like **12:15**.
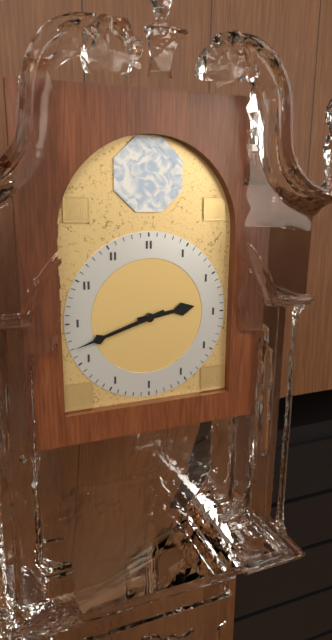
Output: **2:42**
